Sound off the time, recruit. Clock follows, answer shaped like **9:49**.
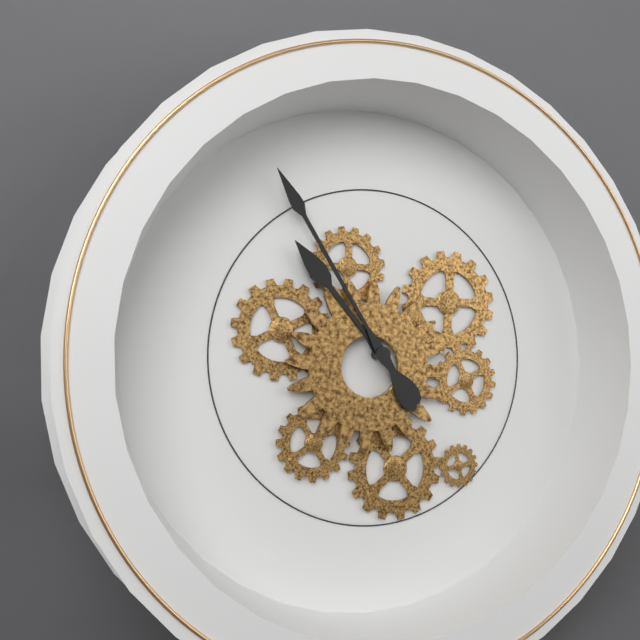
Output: **10:56**
